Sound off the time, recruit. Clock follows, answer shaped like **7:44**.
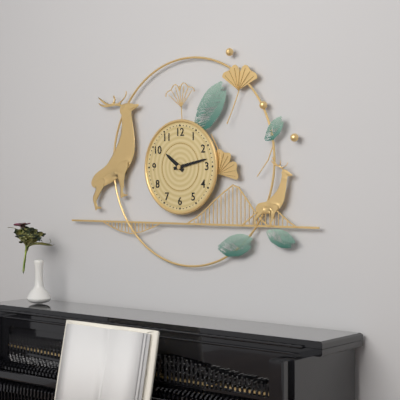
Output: **10:13**
